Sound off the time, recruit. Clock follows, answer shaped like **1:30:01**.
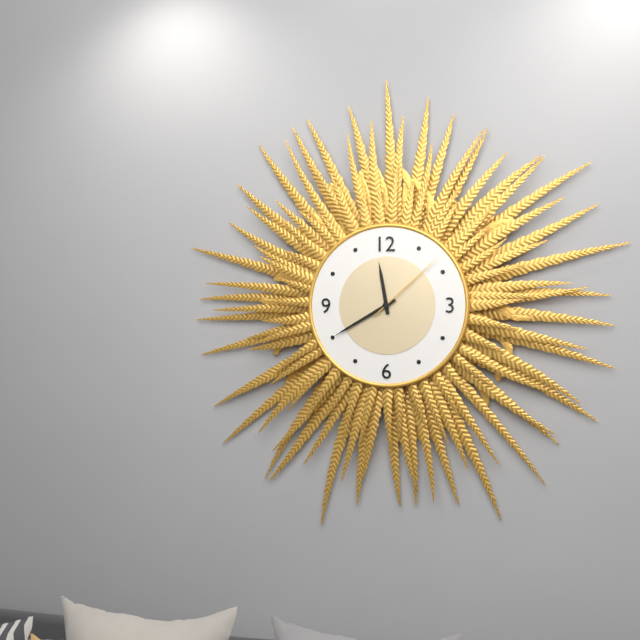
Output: **11:40:08**
